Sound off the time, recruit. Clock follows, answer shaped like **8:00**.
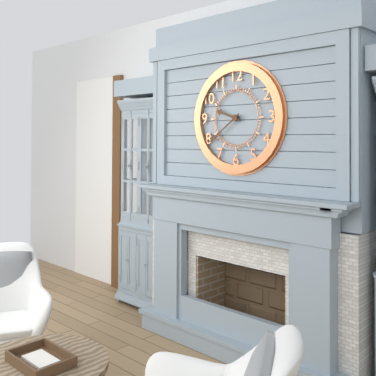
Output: **9:39**
